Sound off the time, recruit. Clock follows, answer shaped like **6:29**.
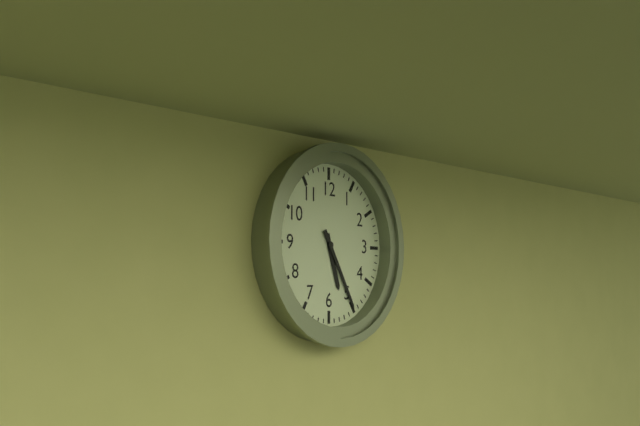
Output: **5:25**
